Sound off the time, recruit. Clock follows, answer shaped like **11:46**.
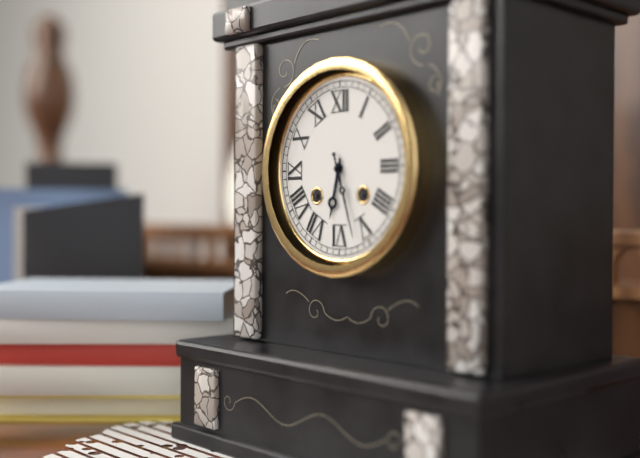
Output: **6:27**
